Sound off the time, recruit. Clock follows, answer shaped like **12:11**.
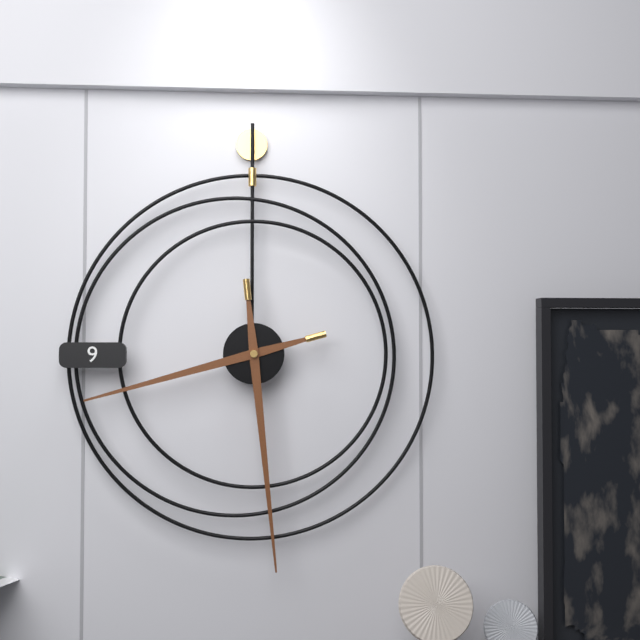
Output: **8:29**
